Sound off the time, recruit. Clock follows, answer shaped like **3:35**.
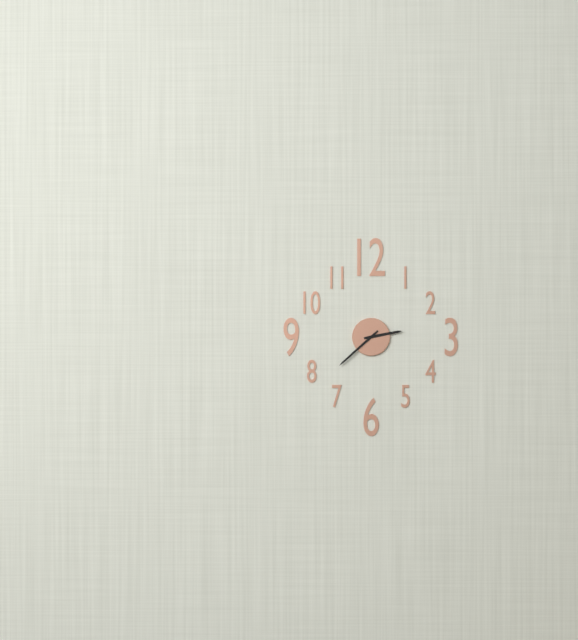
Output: **2:38**
